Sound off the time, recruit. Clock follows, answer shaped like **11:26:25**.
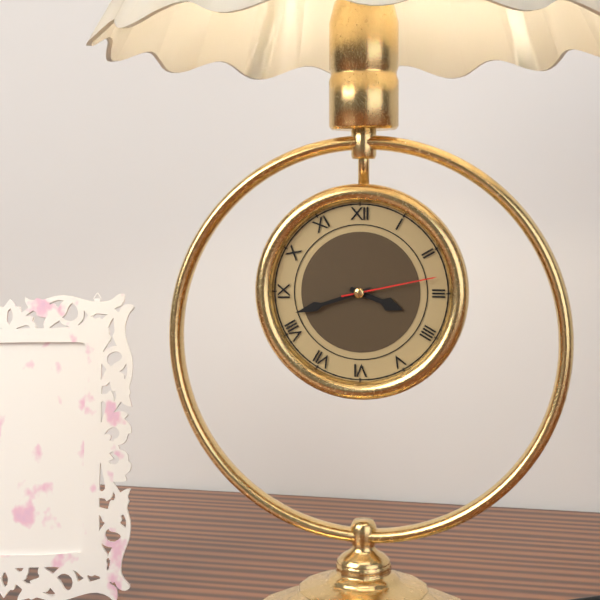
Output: **3:42:13**
